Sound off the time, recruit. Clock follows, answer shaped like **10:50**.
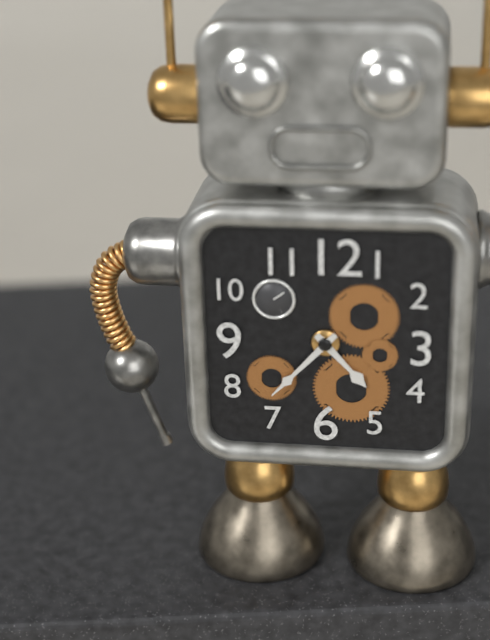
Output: **4:37**
